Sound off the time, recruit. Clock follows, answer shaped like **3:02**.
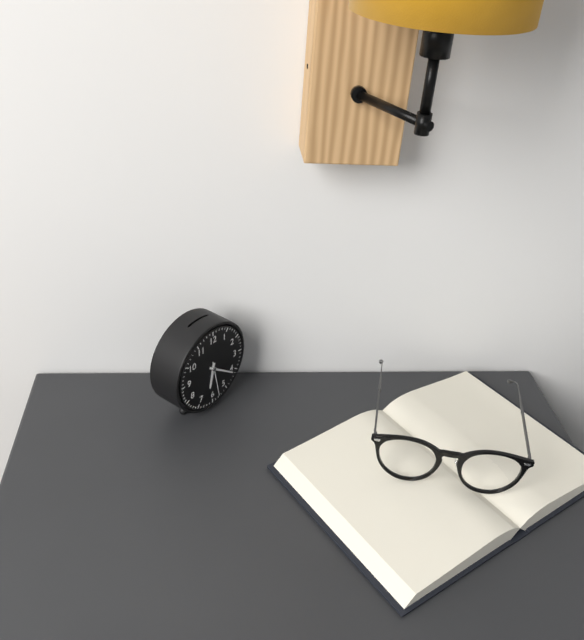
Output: **6:21**
